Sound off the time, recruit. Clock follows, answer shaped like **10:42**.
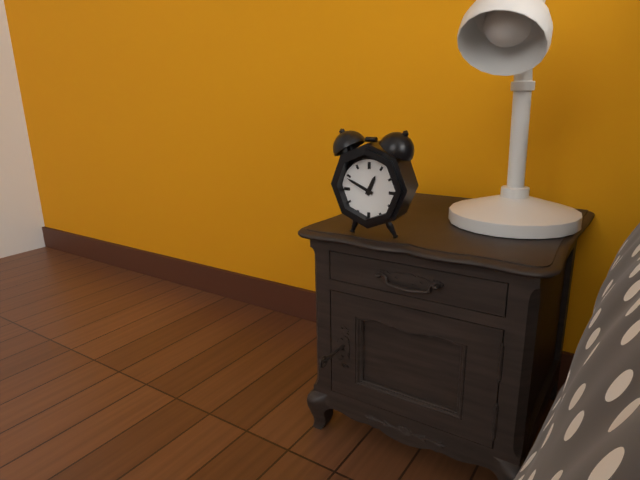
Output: **12:49**
